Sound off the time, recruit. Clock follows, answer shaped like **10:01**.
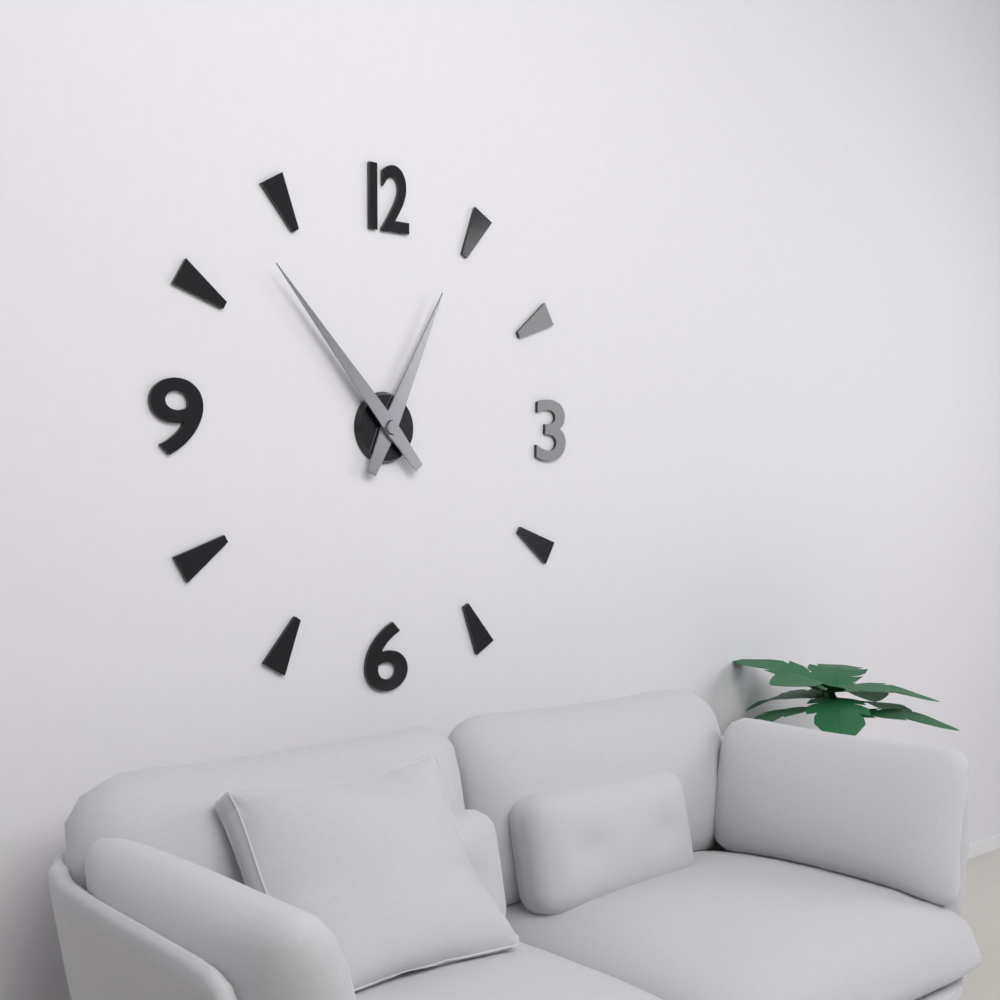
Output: **12:53**
